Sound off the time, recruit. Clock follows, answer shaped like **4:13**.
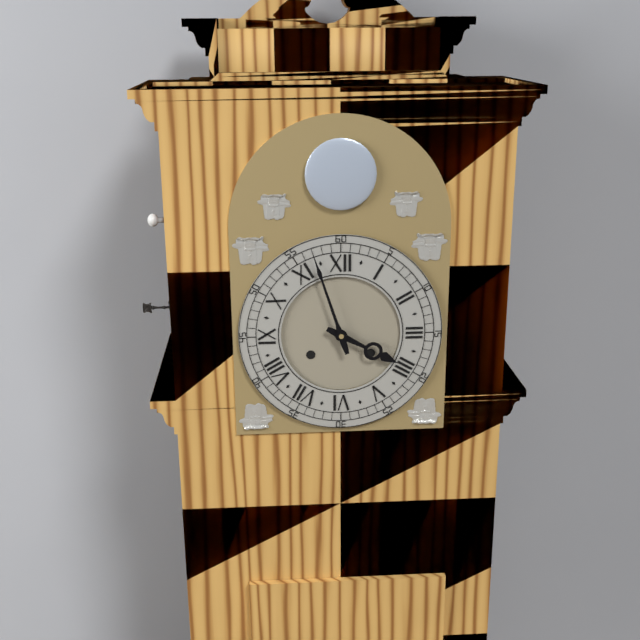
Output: **3:57**
